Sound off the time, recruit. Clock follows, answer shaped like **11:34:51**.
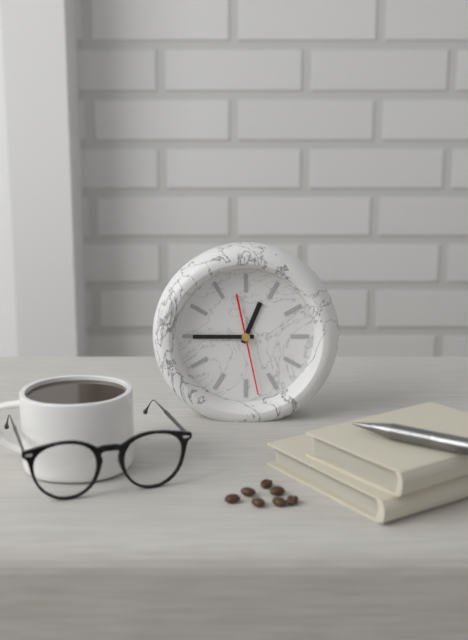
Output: **12:45:28**
